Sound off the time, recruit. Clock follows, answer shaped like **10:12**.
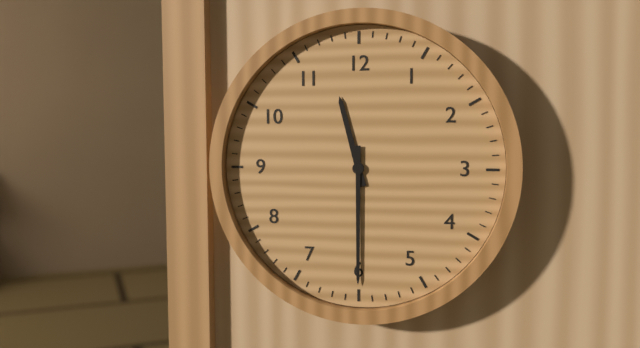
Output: **11:30**
